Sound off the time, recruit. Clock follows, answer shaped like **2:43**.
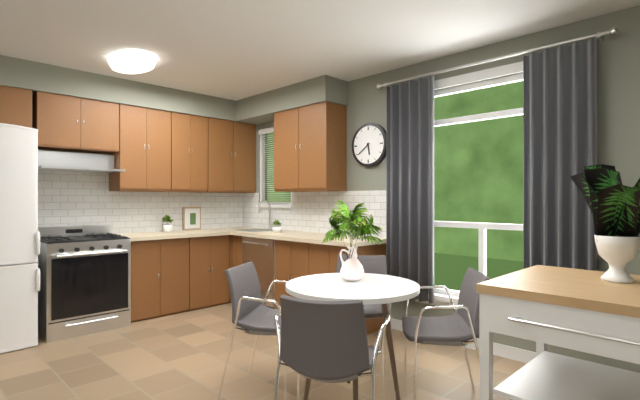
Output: **5:39**
